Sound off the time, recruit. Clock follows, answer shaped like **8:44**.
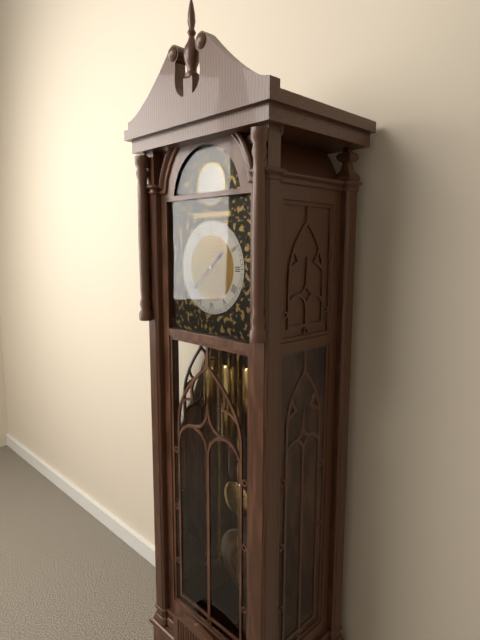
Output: **1:38**
